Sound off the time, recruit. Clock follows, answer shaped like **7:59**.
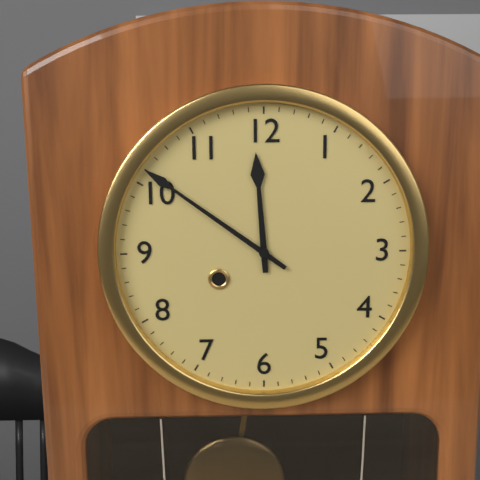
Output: **11:51**
